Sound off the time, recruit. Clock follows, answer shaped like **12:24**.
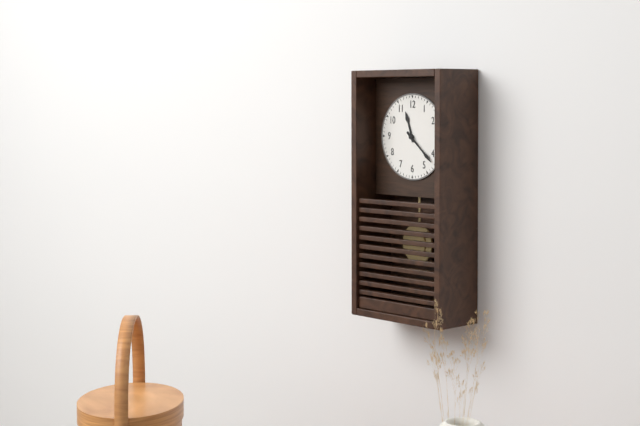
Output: **11:22**
